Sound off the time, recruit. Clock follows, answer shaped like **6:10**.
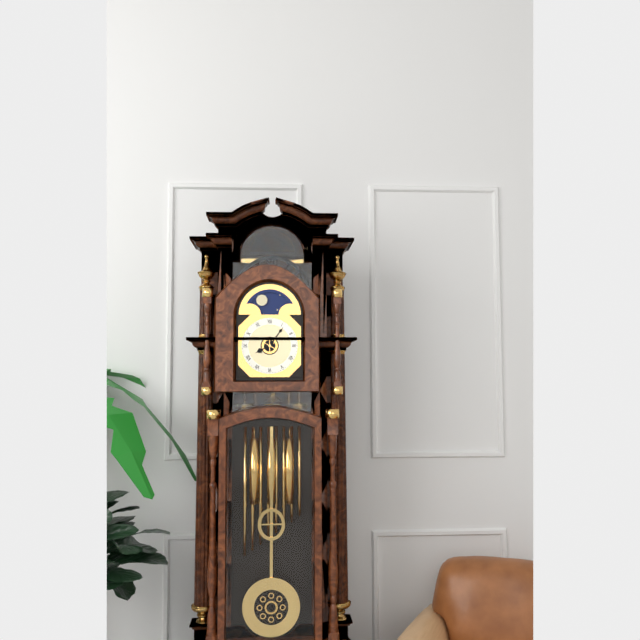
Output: **8:06**
